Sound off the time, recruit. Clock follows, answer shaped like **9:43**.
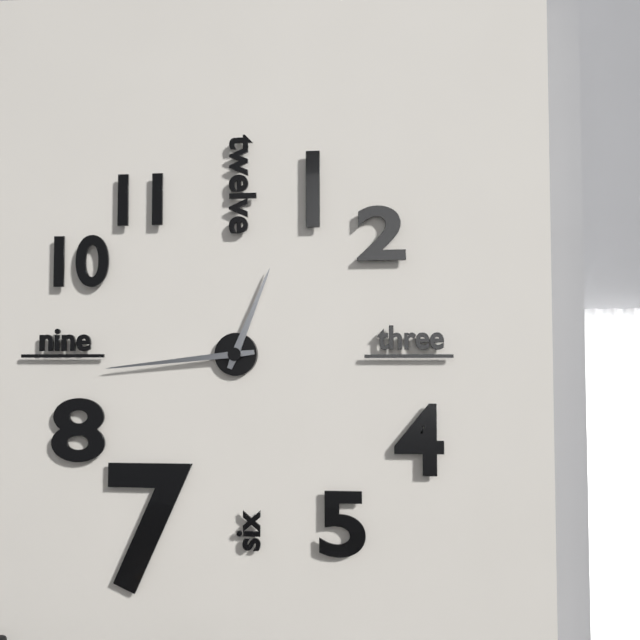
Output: **12:44**
